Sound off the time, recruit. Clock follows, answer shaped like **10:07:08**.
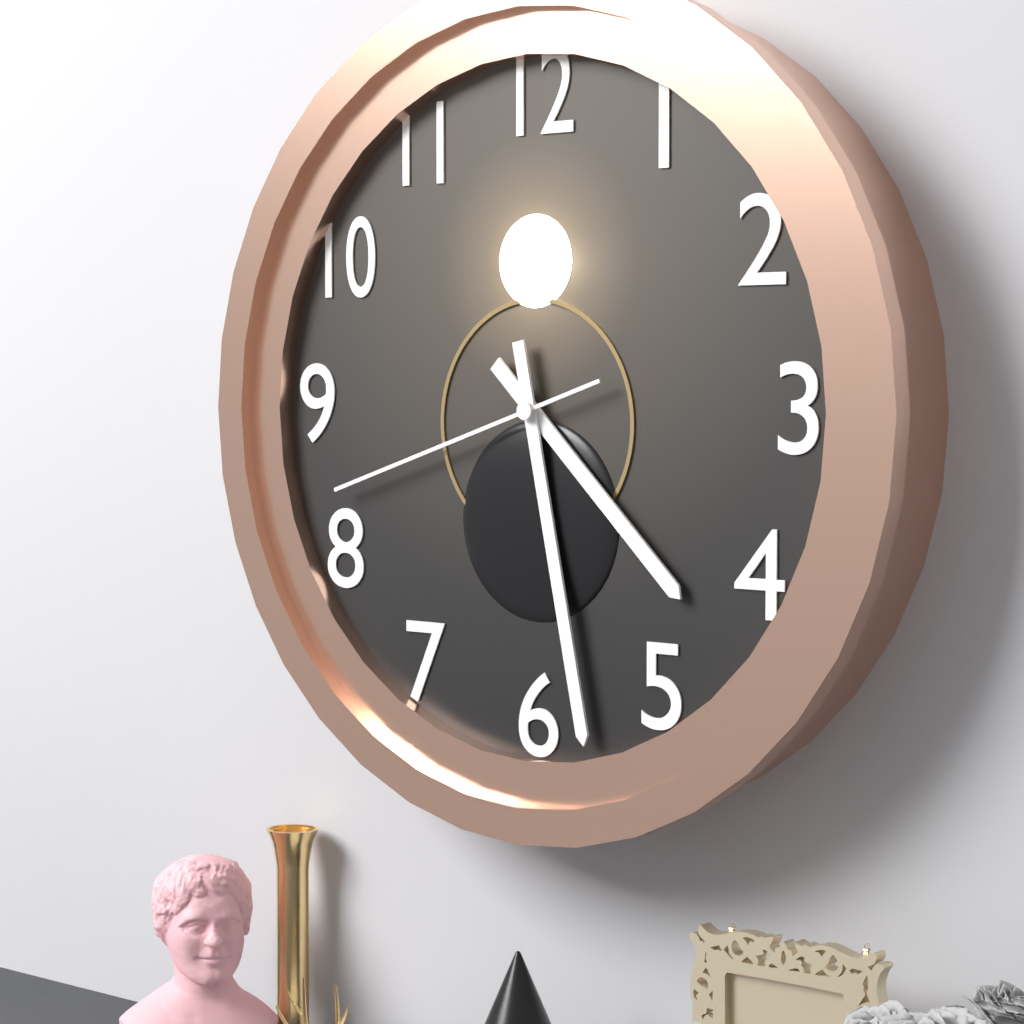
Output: **4:28:42**
